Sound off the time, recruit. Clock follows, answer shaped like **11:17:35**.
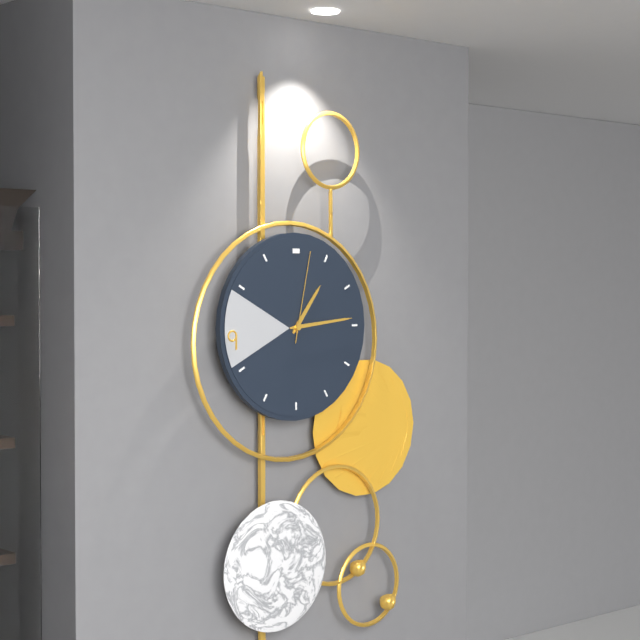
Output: **1:14:02**
